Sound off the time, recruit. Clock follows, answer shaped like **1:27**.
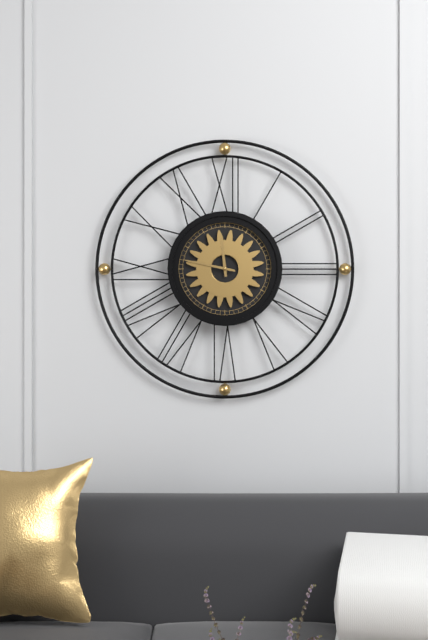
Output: **11:47**
